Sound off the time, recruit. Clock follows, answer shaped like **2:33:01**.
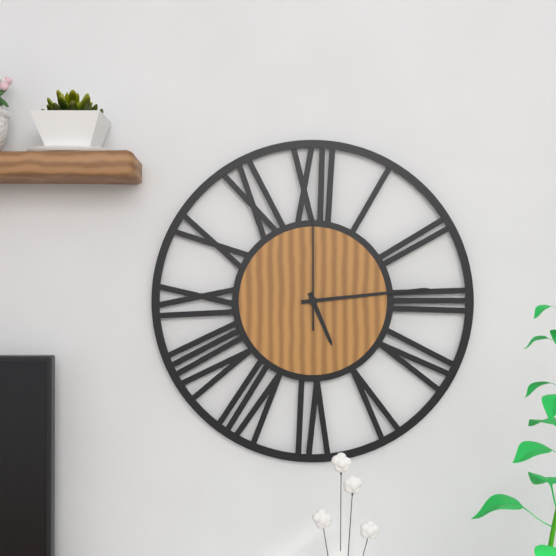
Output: **5:14:00**
